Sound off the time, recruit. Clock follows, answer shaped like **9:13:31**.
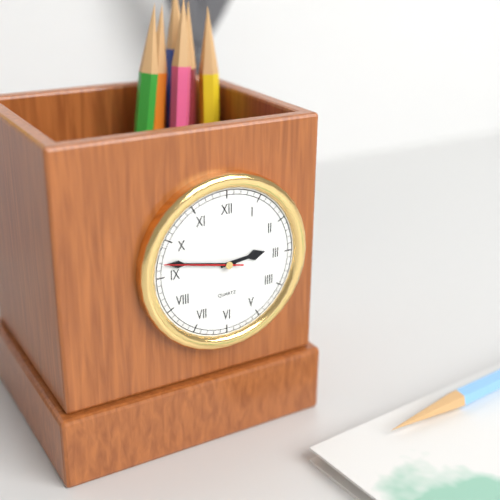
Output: **2:47:47**
